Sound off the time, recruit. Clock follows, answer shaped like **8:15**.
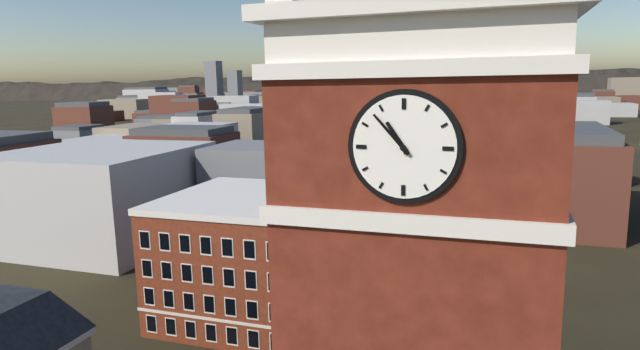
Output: **10:53**
